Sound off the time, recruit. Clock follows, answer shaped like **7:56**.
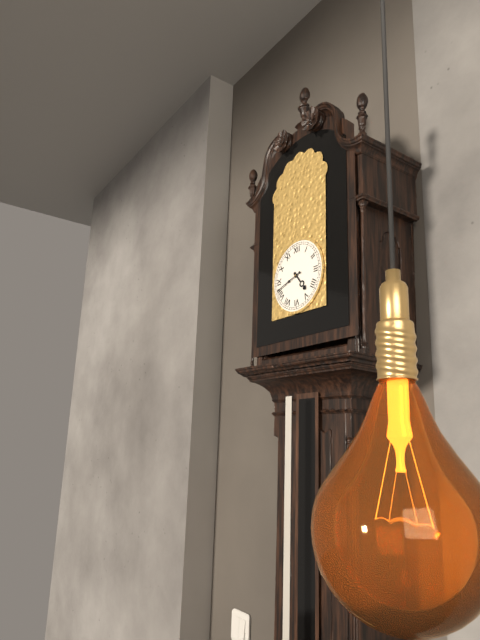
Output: **4:42**
